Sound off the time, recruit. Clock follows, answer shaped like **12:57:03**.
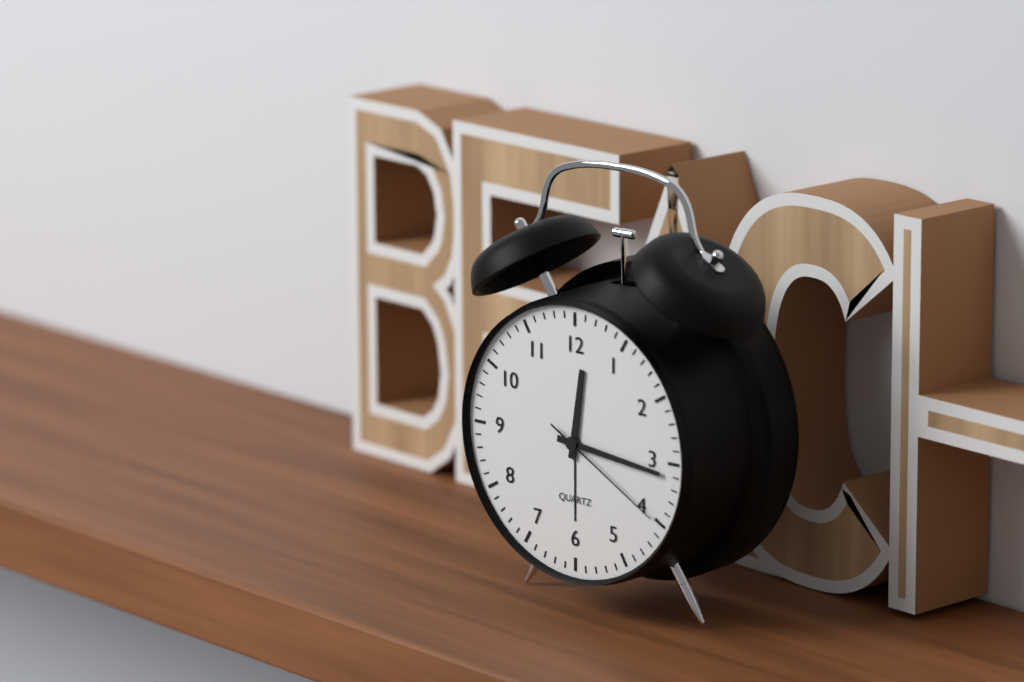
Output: **12:16:20**
